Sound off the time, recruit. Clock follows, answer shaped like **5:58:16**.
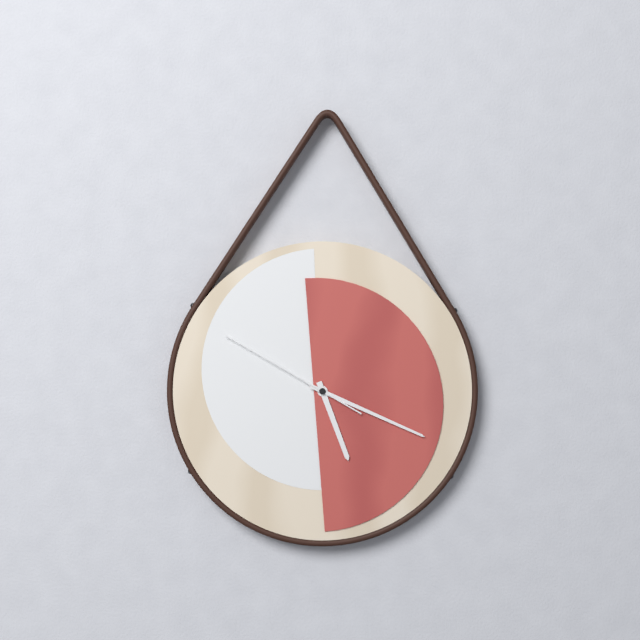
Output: **5:19:50**
